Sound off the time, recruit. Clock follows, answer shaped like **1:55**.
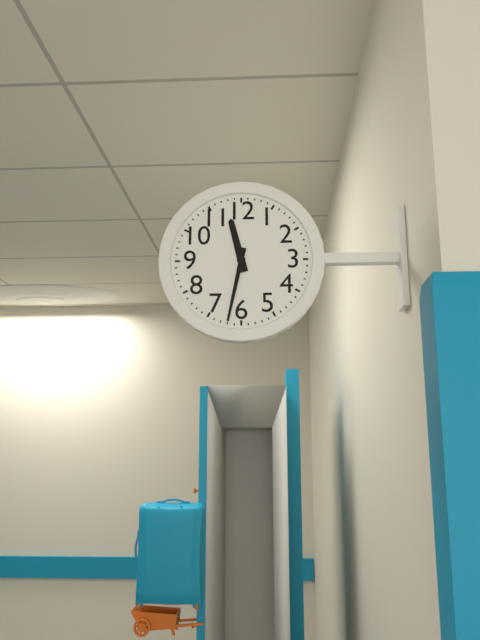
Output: **11:32**
